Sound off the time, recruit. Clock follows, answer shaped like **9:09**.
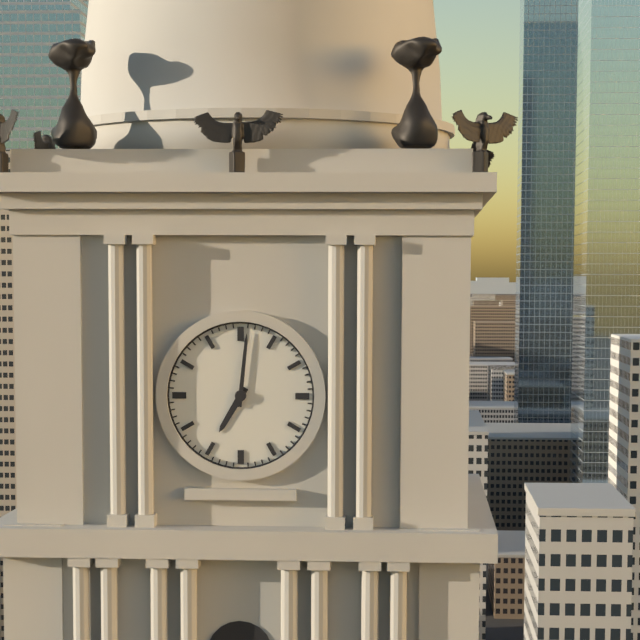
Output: **7:01**
